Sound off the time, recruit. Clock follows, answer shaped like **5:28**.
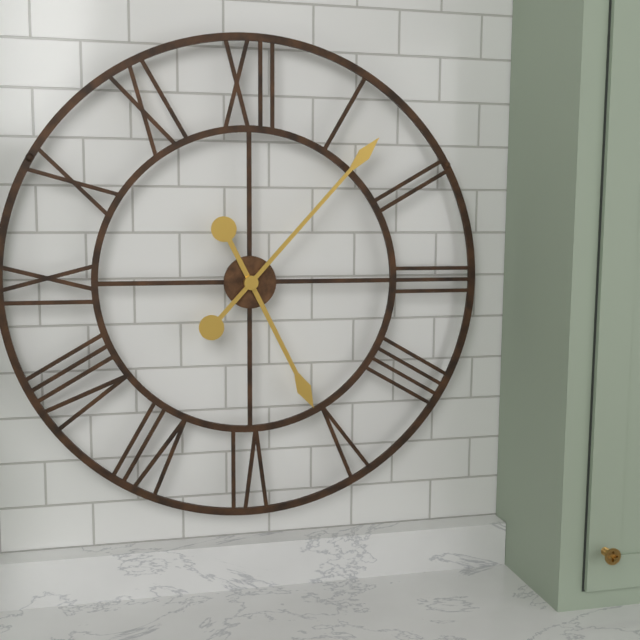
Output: **5:07**
